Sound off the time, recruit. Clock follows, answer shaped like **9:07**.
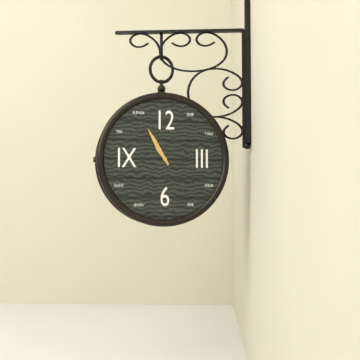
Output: **10:55**
